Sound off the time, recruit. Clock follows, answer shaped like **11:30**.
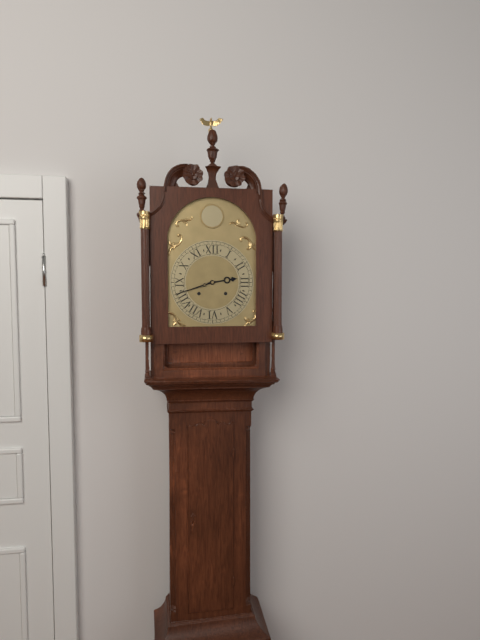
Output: **2:42**
